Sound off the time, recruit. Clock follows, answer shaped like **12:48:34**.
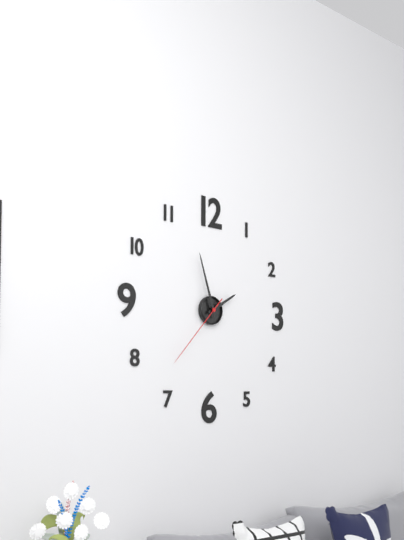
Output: **1:57:37**
